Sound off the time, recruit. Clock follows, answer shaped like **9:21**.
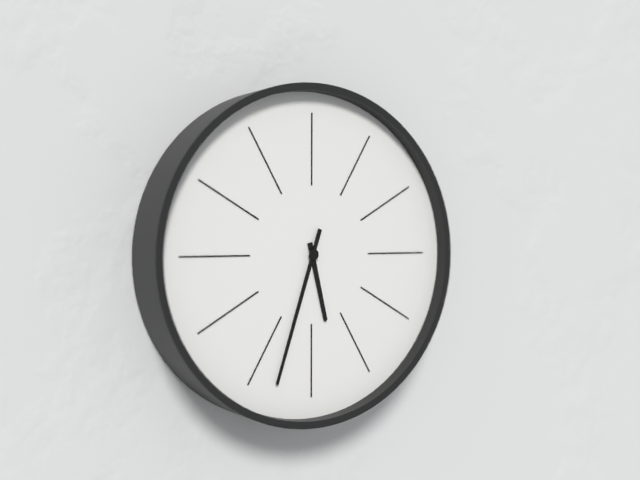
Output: **5:33**
